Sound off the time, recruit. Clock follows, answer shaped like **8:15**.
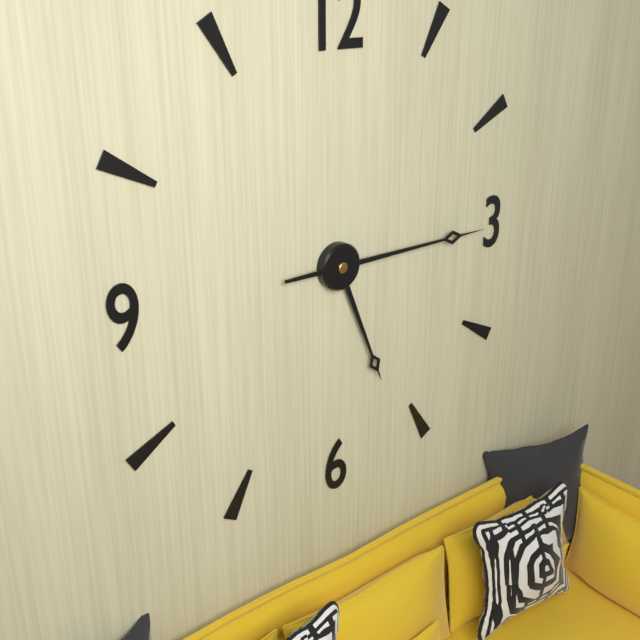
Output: **5:15**
